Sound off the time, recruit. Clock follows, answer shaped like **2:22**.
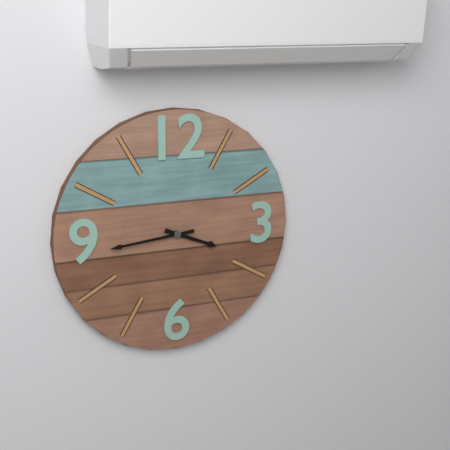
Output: **3:44**
